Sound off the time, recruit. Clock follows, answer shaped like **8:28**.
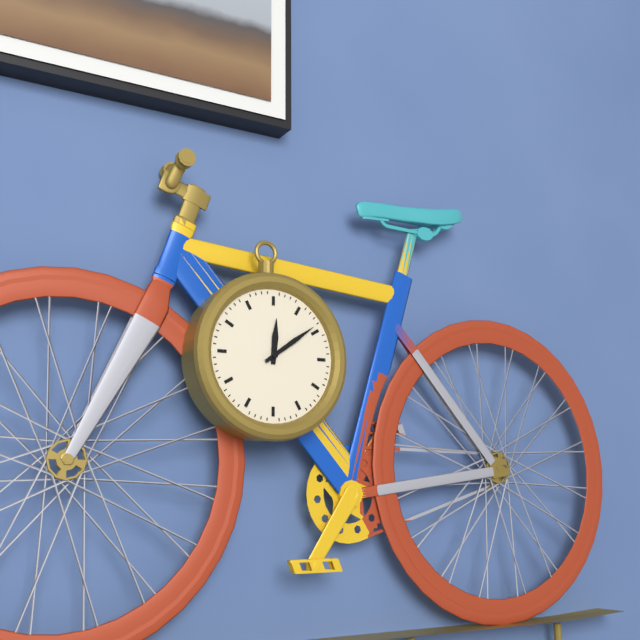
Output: **12:09**
